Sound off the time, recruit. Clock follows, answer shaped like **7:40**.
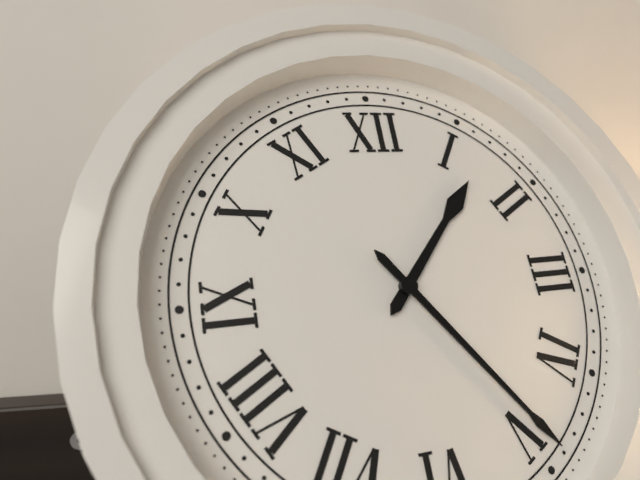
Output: **1:24**
